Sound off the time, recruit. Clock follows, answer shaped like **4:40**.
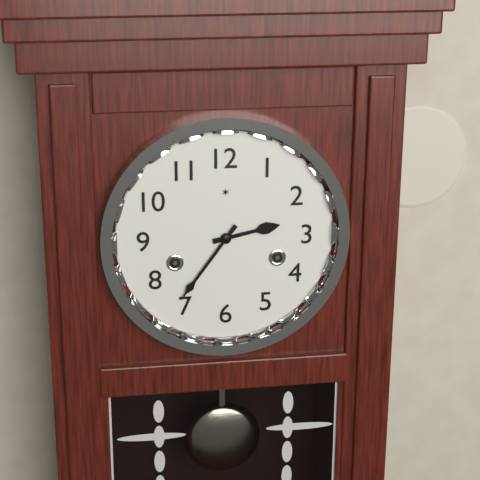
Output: **2:36**
